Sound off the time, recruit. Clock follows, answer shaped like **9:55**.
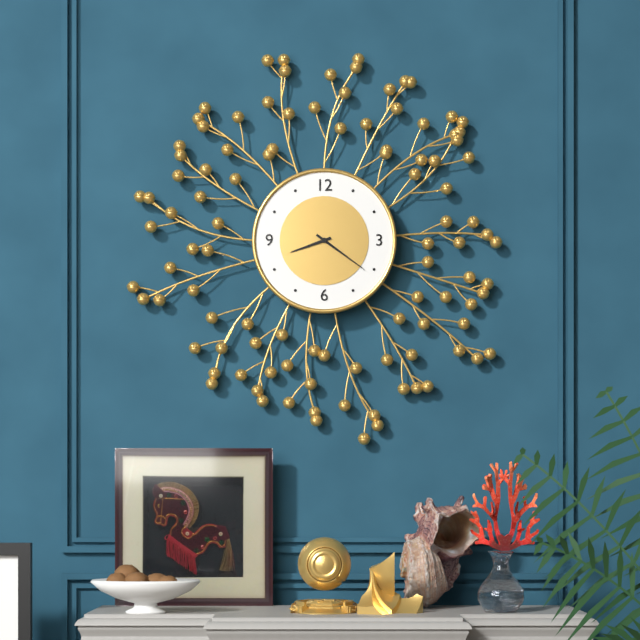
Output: **8:21**
